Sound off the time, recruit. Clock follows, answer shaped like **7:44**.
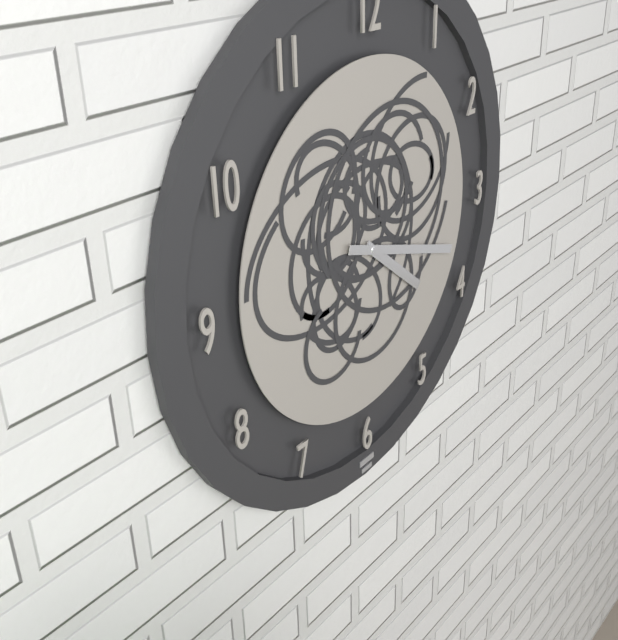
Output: **4:18**
